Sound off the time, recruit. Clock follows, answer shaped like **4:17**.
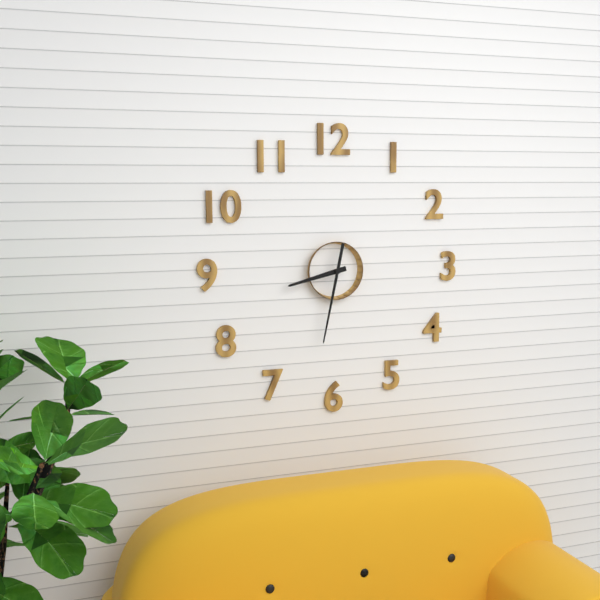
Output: **8:32**
